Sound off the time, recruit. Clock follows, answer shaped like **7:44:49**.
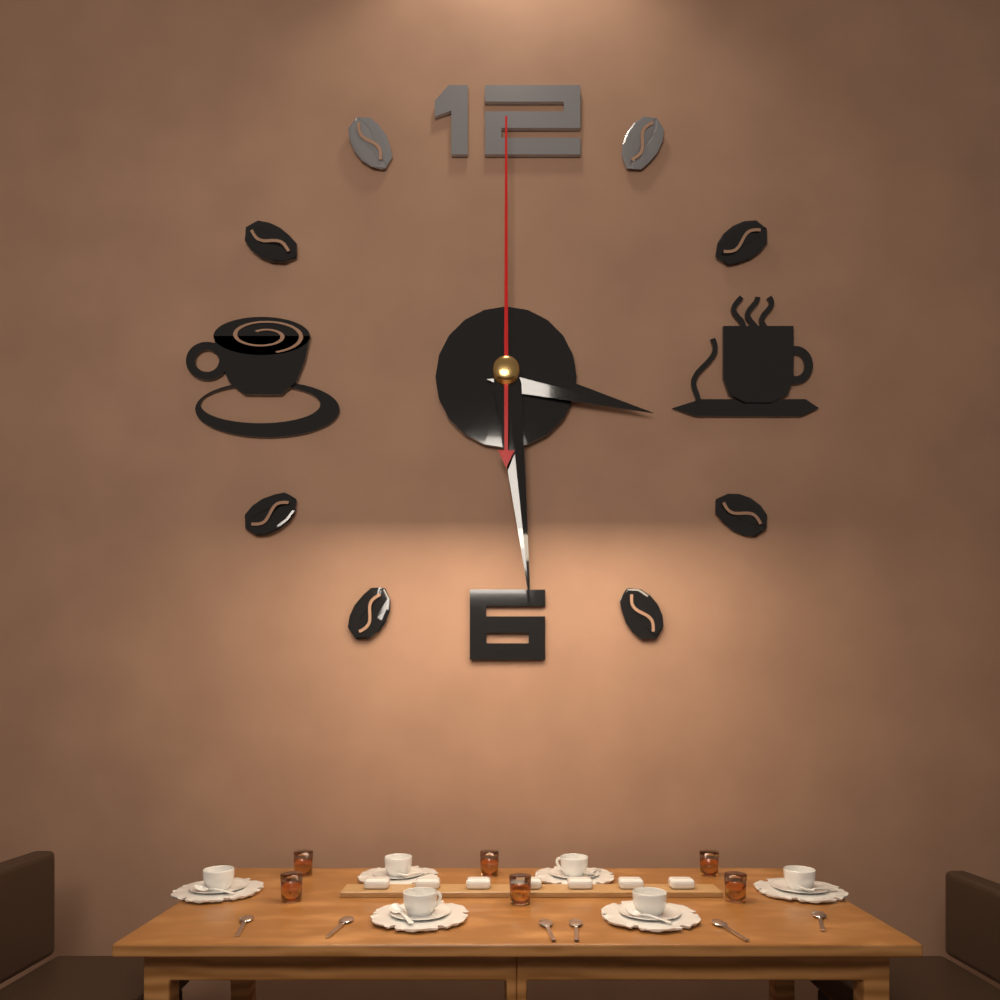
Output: **3:29:00**
